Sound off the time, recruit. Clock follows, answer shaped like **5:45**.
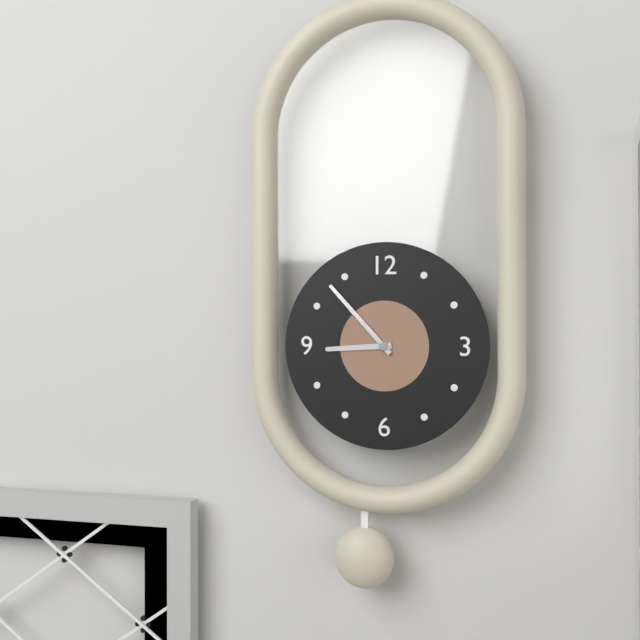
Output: **8:53**
